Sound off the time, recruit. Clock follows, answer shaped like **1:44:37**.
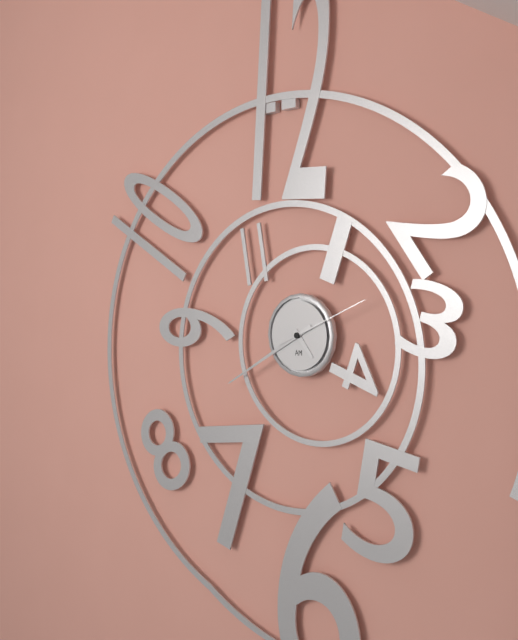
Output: **4:40:11**
